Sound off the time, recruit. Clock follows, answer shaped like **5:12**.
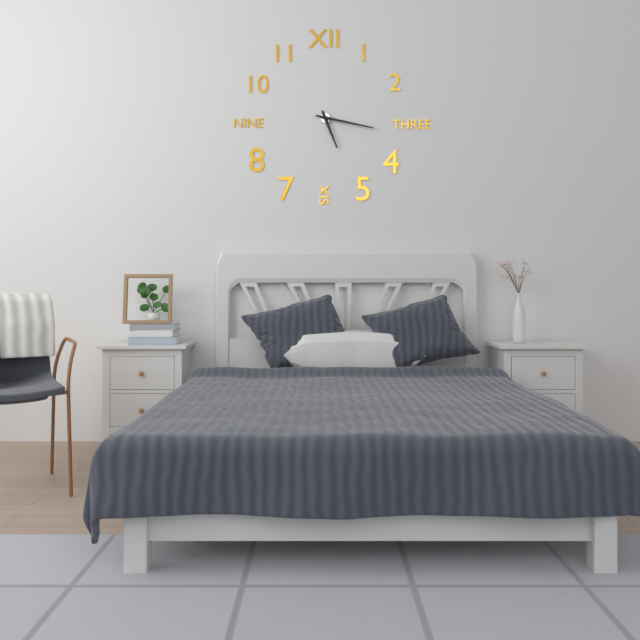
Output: **5:17**
